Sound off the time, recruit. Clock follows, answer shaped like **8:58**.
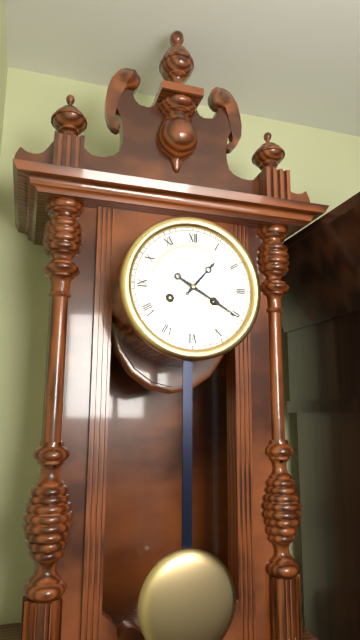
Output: **1:20**
